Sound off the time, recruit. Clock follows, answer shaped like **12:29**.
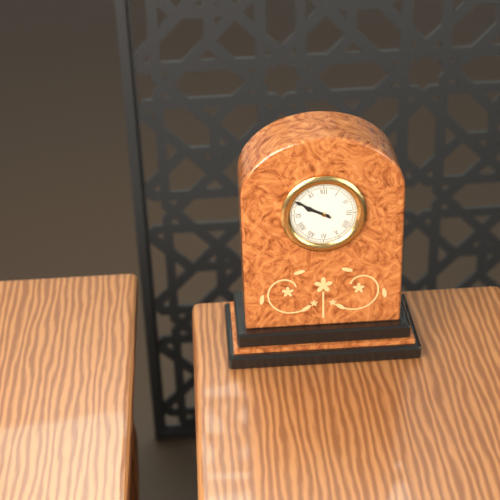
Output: **9:50**
